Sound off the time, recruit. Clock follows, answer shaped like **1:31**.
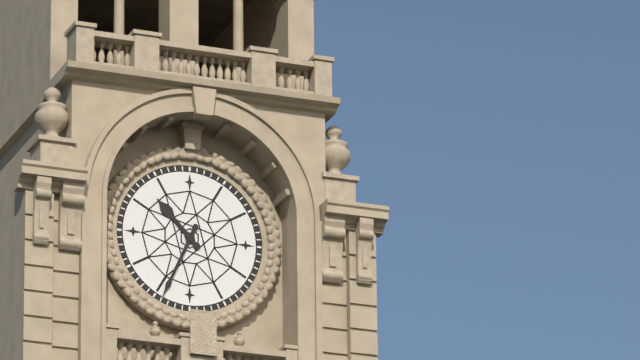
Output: **10:34**
